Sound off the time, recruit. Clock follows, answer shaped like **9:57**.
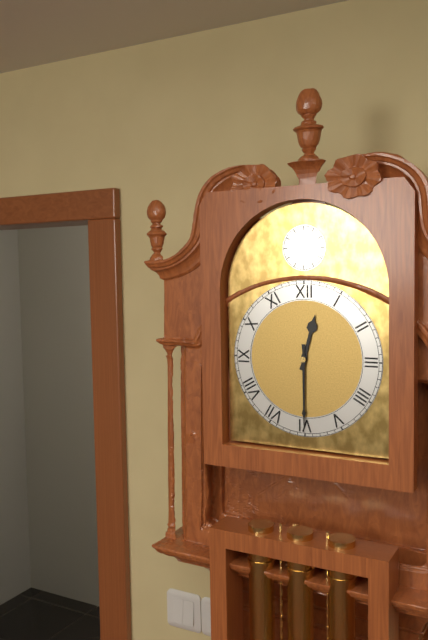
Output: **12:30**
